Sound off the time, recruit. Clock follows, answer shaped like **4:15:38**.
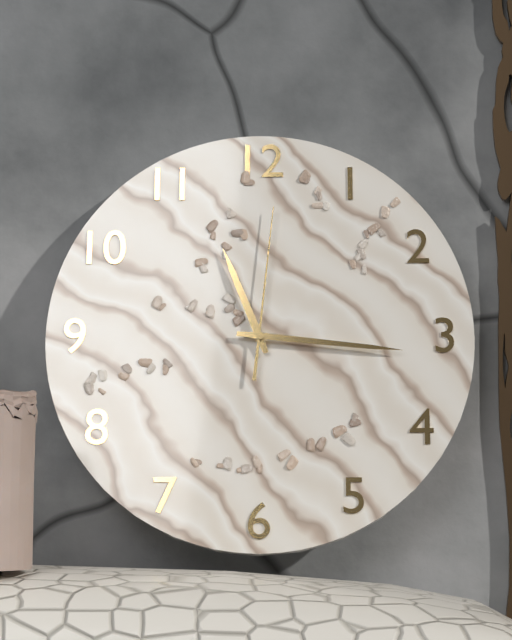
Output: **11:16:01**
